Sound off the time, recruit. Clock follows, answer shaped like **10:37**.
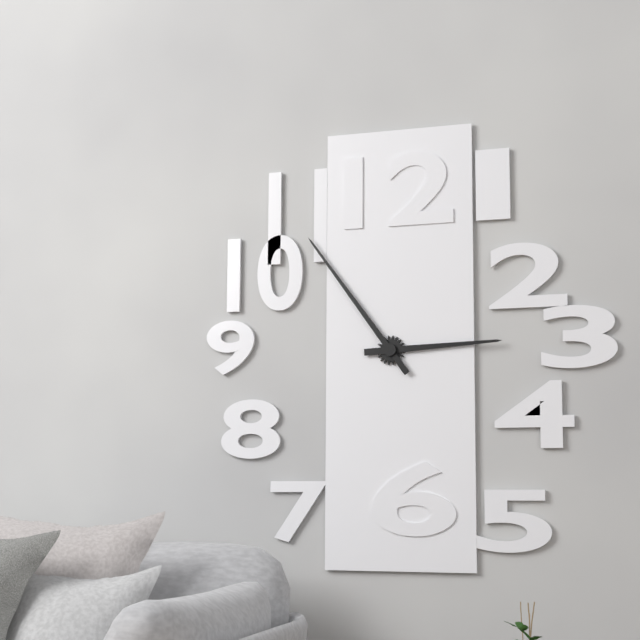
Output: **2:54**
